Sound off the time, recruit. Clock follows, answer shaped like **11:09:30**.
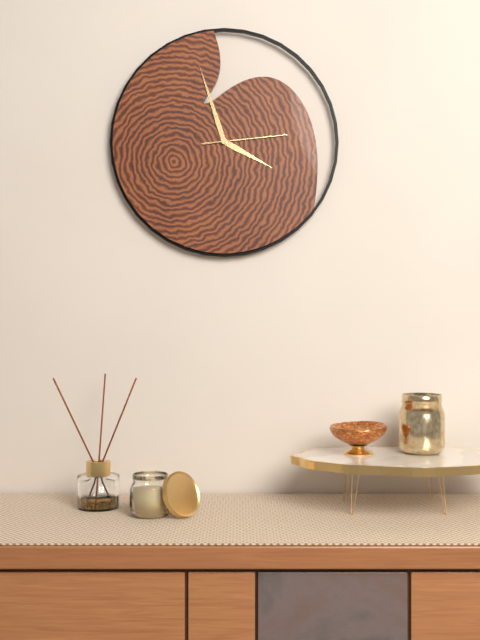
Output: **3:57:14**
